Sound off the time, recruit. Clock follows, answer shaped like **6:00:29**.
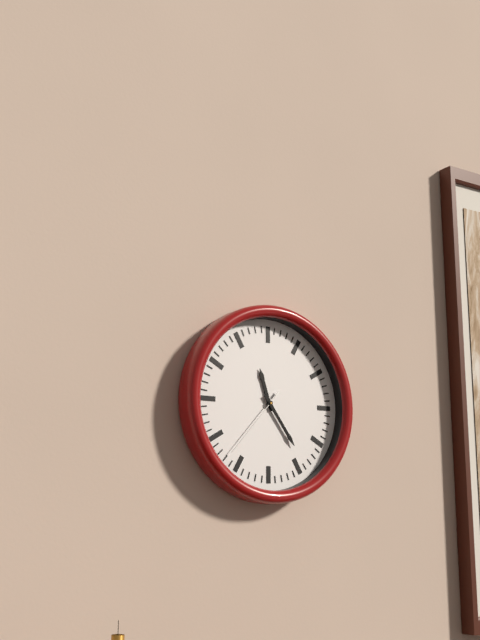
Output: **11:24:37**
